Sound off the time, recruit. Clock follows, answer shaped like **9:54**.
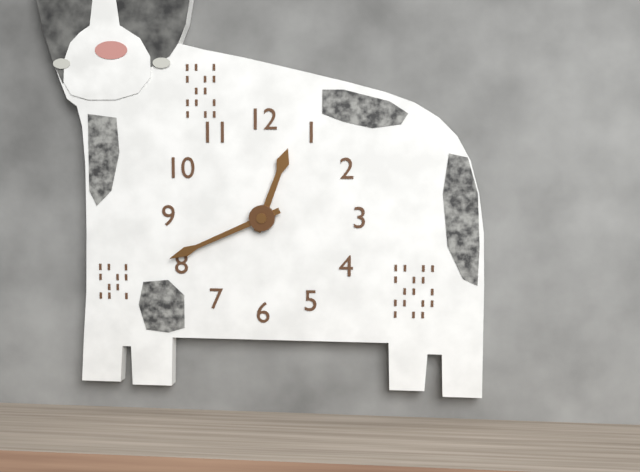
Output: **12:41**
